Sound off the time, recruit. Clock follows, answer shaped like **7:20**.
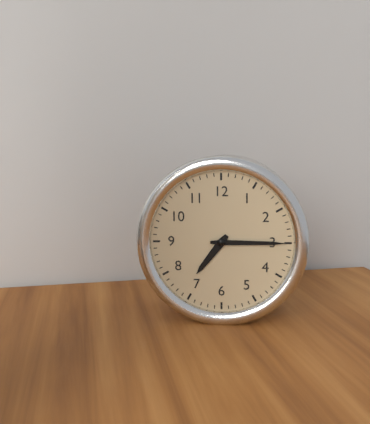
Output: **7:15**
